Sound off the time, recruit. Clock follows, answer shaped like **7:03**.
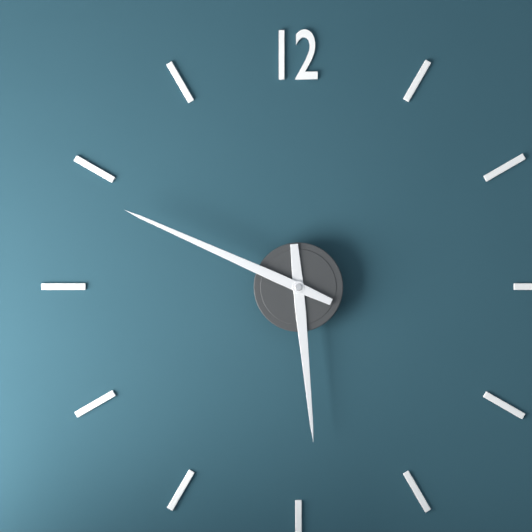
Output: **5:49**
